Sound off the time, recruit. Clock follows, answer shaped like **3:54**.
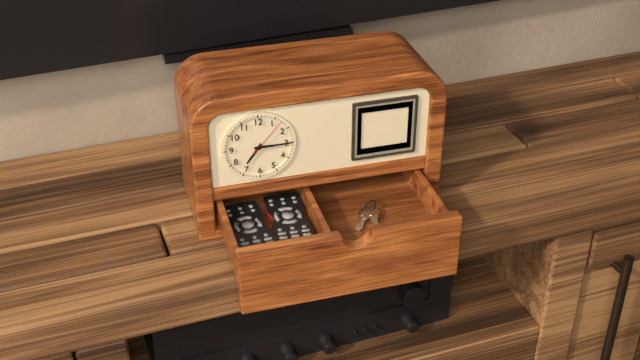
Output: **7:15**
